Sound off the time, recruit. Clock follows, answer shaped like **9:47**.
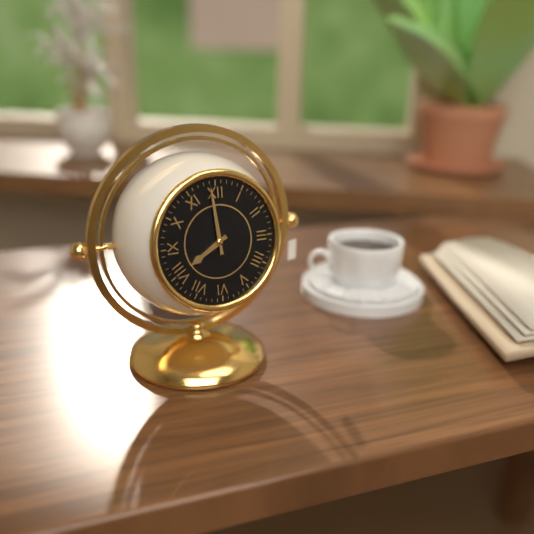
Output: **7:59**
